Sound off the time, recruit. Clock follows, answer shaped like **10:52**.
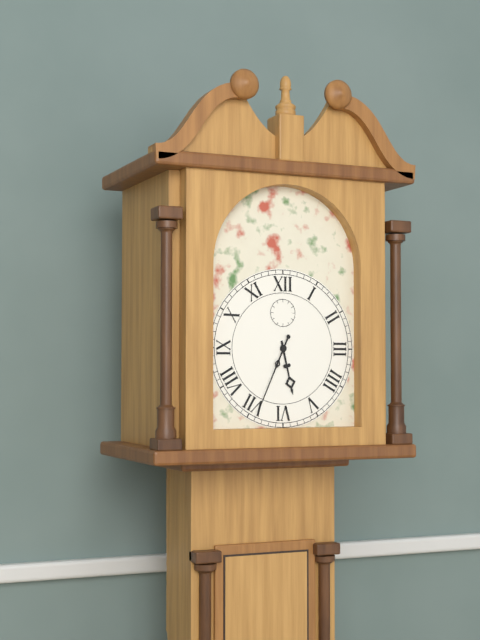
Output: **5:34**
